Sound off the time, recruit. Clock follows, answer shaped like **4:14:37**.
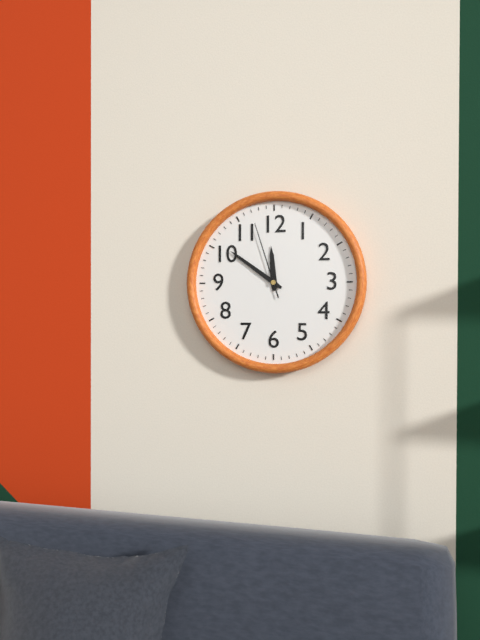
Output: **11:51:57**
